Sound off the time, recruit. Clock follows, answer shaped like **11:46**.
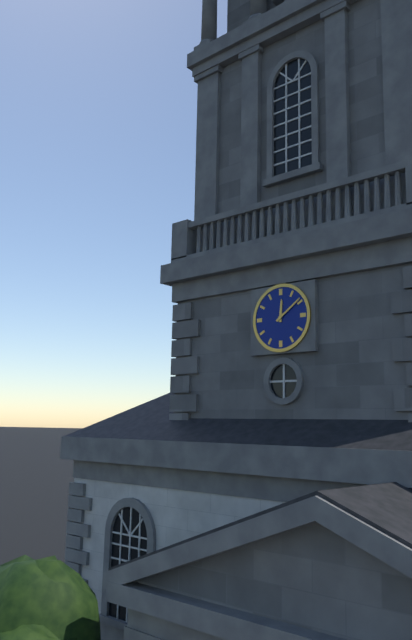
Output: **12:09**
